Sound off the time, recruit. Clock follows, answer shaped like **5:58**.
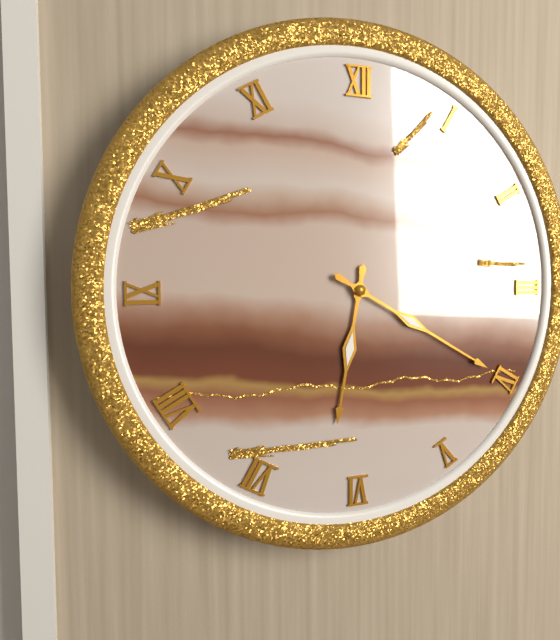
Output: **6:20**
